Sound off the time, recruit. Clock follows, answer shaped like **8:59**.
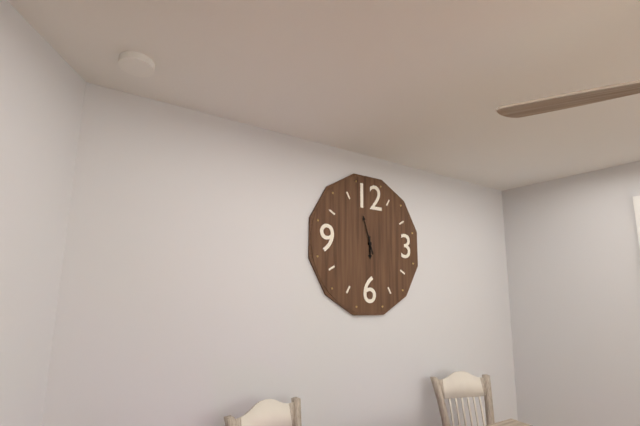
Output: **5:57**
